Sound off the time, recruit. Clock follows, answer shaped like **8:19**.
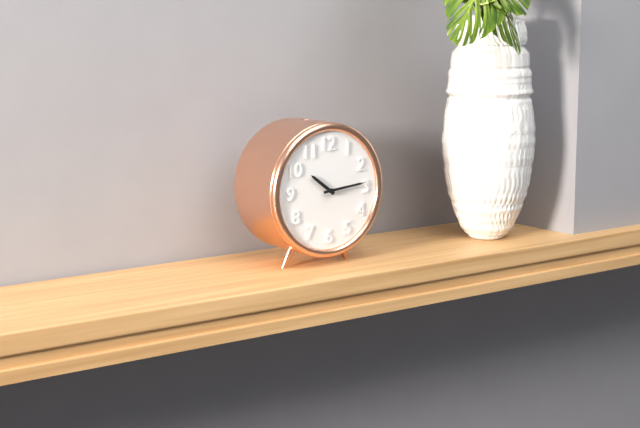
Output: **10:14**
